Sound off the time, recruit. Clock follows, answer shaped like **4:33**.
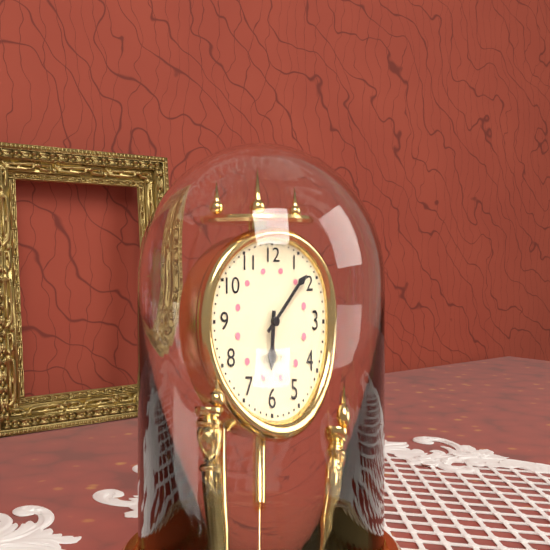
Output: **6:08**
